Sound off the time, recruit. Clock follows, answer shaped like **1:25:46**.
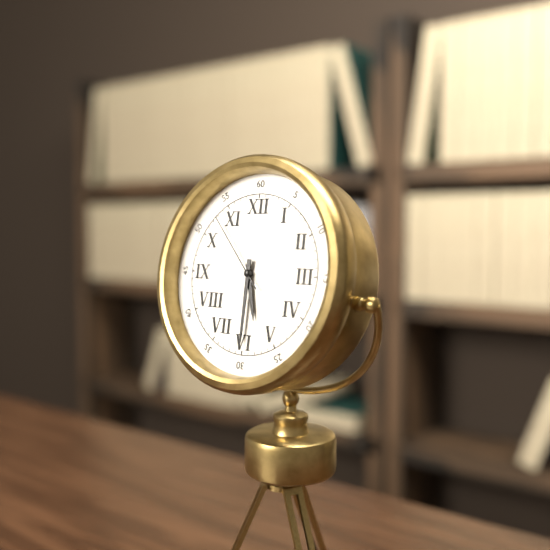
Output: **5:30:53**
